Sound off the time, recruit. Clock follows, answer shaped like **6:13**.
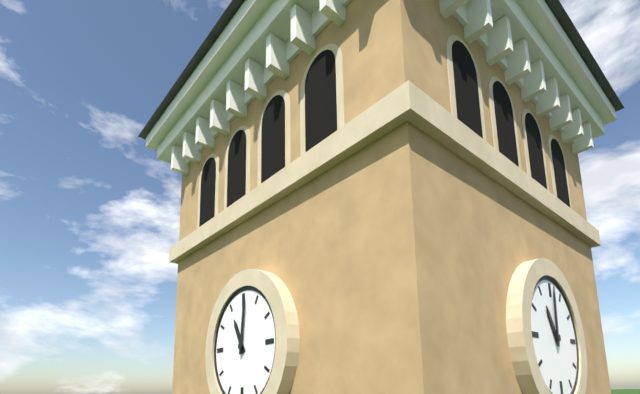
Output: **11:01**
